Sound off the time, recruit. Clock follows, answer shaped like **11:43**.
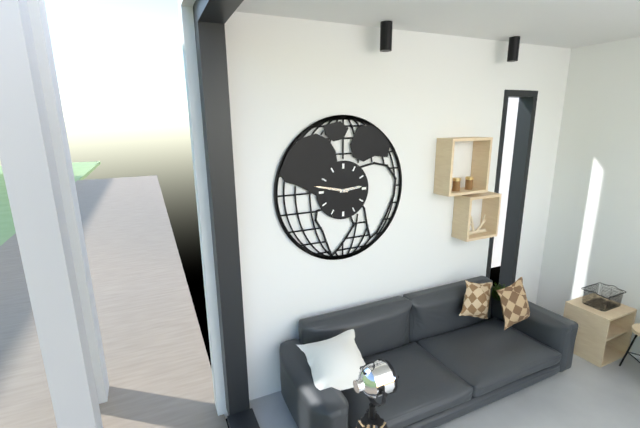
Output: **2:47**
